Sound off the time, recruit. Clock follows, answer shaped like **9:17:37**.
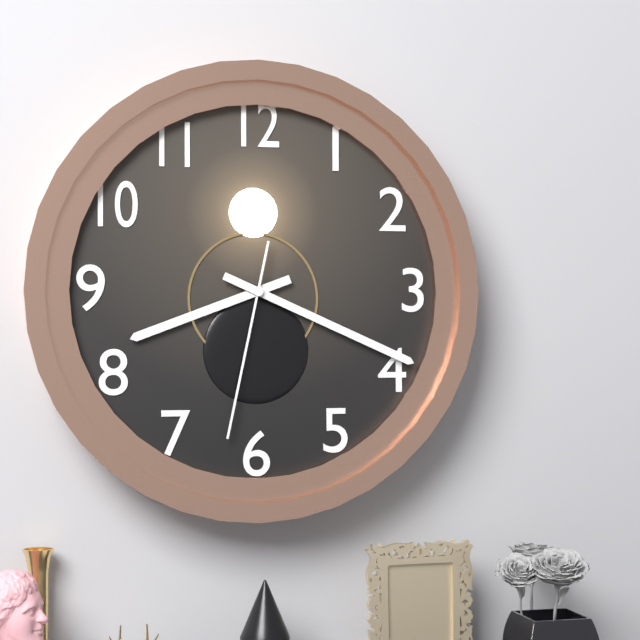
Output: **8:19:32**
